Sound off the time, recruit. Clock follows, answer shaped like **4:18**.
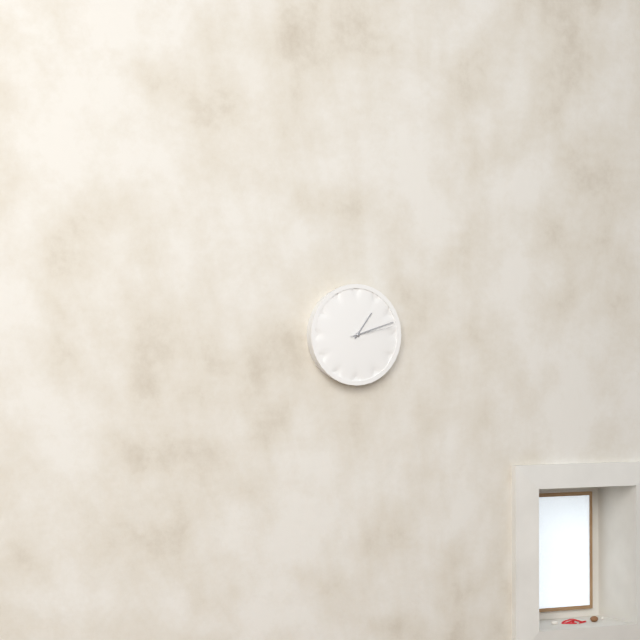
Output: **1:12**
